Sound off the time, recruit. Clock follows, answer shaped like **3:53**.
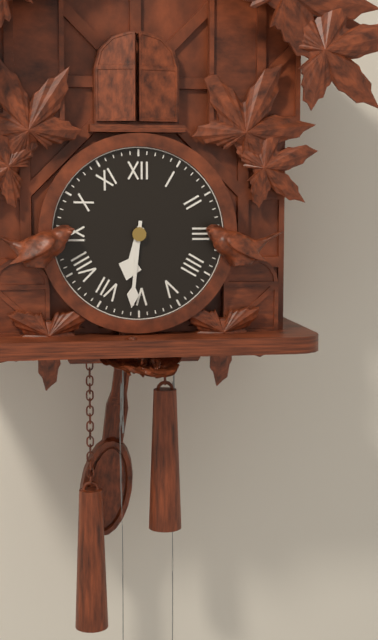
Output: **6:31**
